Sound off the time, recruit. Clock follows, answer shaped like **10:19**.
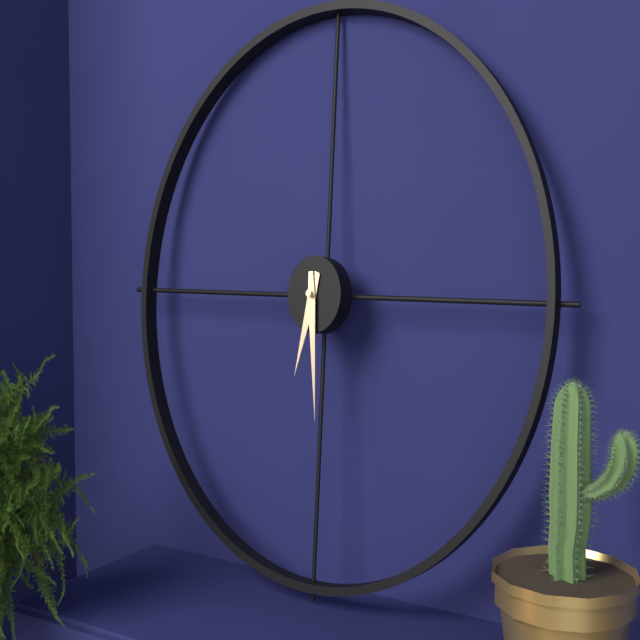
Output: **6:29**
